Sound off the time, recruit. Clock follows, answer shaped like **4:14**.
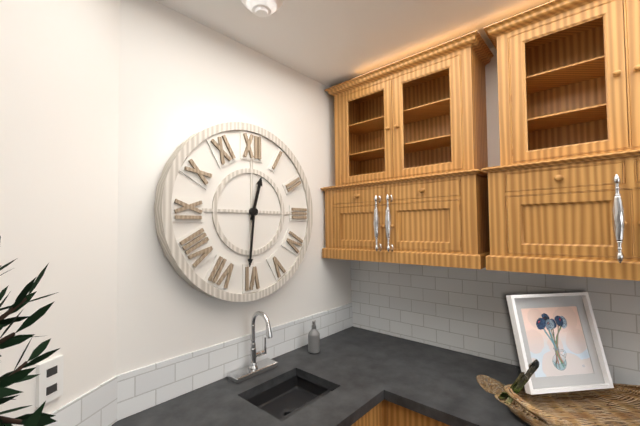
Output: **12:31**
